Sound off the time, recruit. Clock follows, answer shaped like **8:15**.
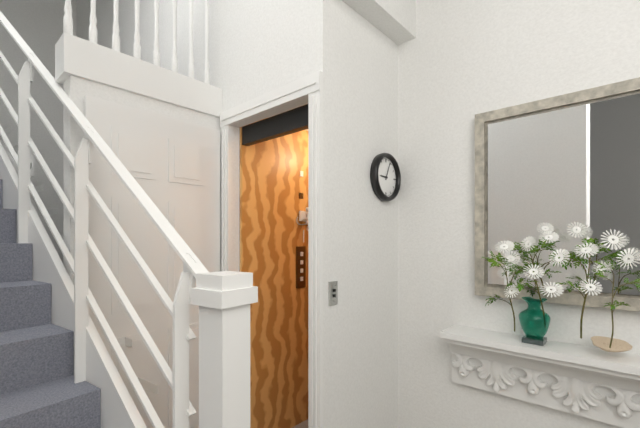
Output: **9:04**
